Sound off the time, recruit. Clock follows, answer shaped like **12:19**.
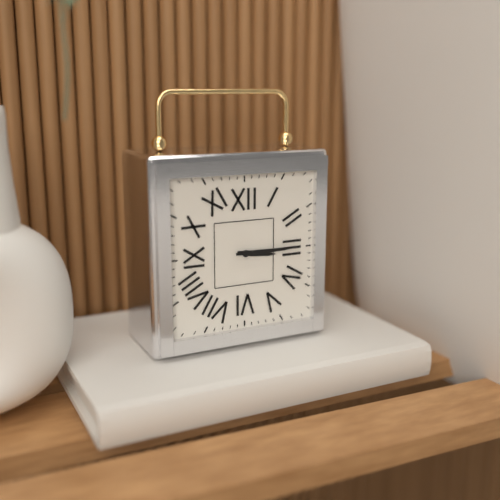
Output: **3:15**
